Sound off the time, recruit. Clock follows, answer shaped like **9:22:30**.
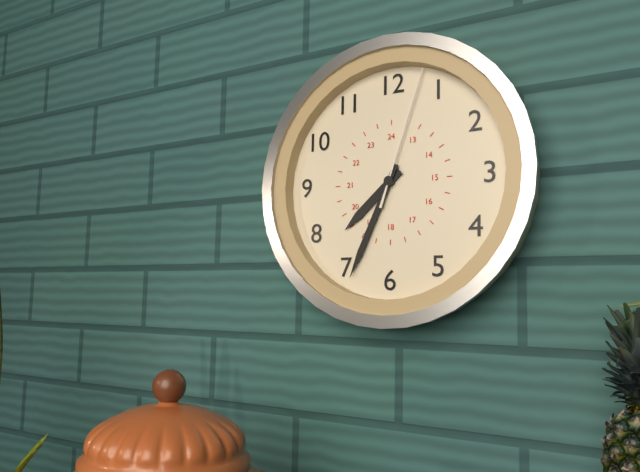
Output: **7:34:03**
